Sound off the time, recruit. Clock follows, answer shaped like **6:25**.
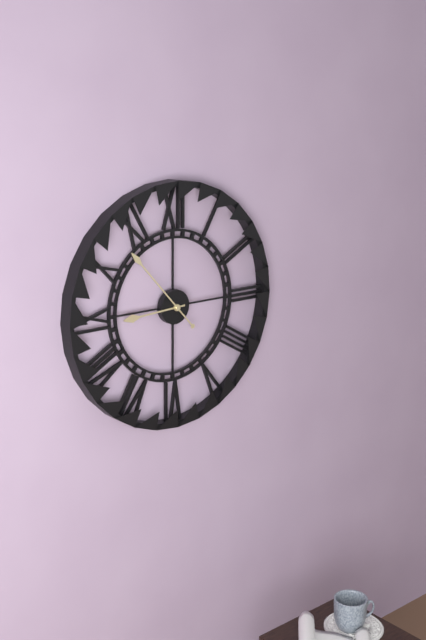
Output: **8:53**
